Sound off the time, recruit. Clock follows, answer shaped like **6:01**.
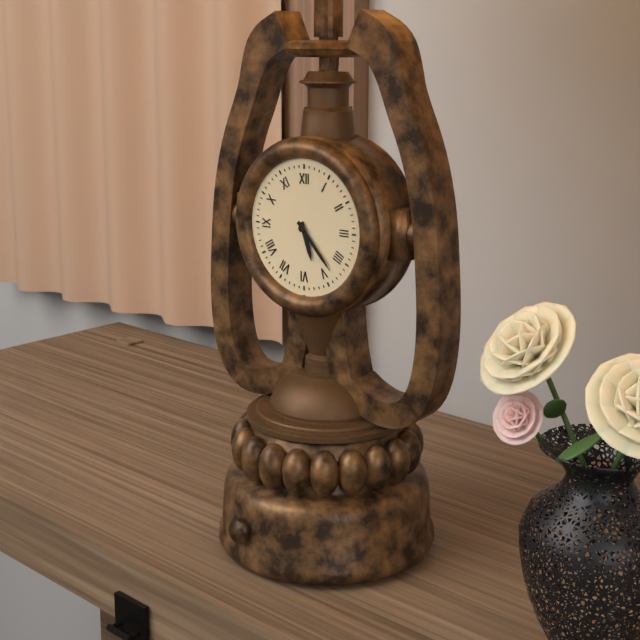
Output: **5:23**
